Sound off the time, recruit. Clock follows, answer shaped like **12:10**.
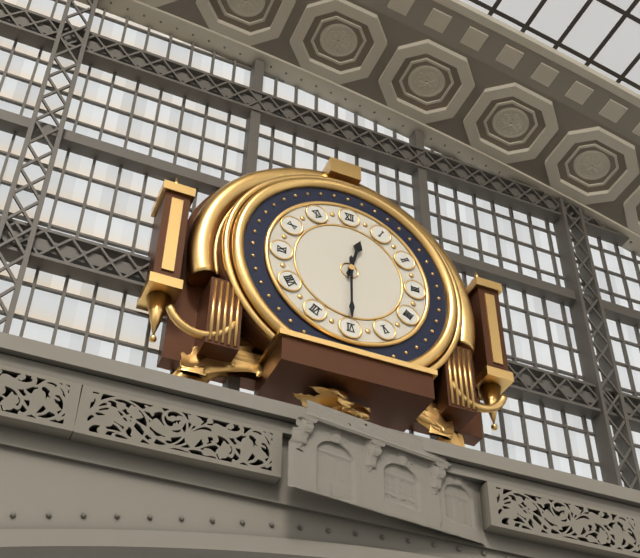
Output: **12:30**
